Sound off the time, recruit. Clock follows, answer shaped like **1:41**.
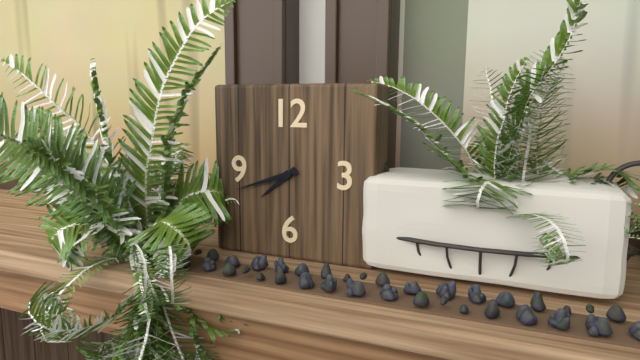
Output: **7:42**
